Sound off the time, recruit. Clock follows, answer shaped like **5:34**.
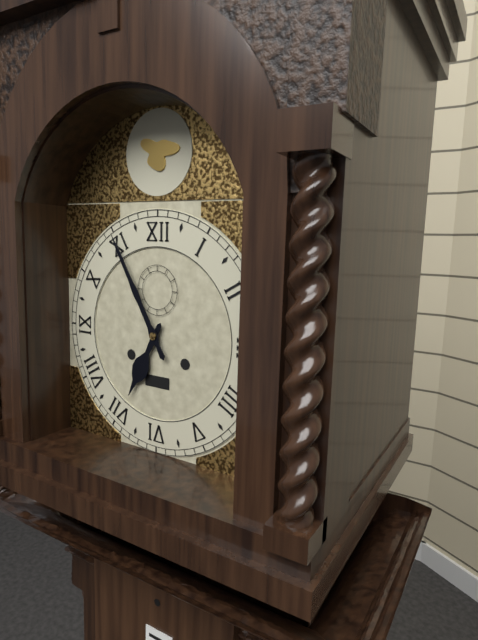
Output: **6:55**
